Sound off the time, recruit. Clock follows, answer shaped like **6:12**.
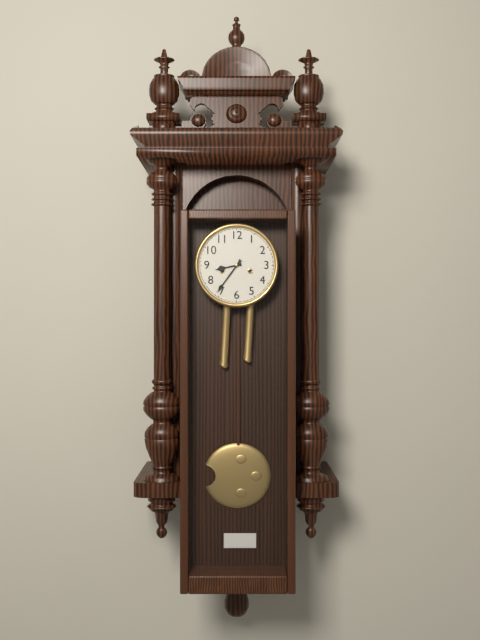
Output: **8:36**
